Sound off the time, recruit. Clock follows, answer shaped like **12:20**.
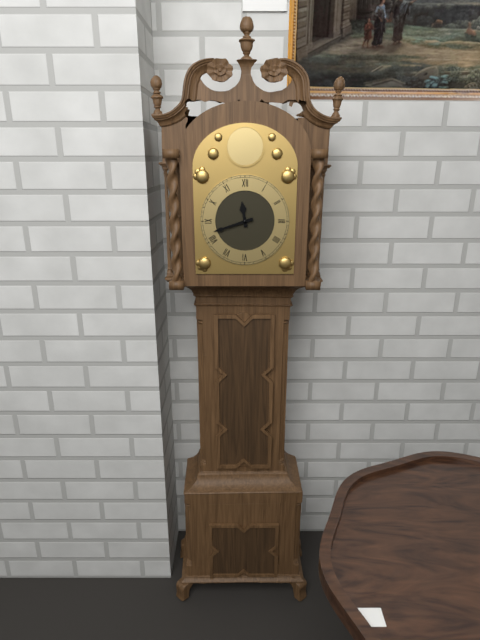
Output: **11:42**
